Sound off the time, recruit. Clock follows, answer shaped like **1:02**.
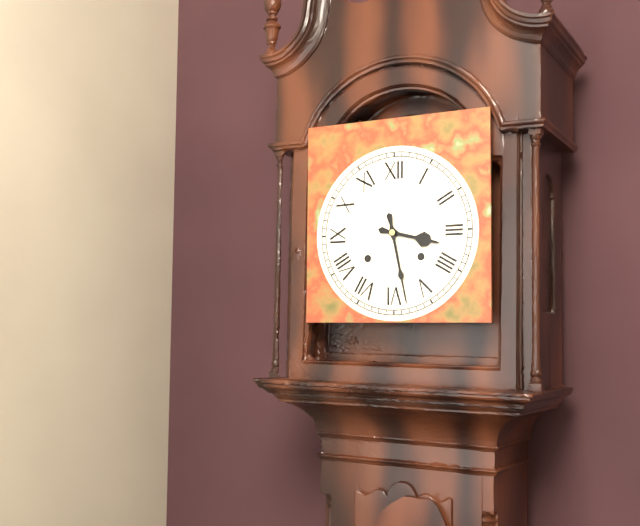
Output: **3:28**
